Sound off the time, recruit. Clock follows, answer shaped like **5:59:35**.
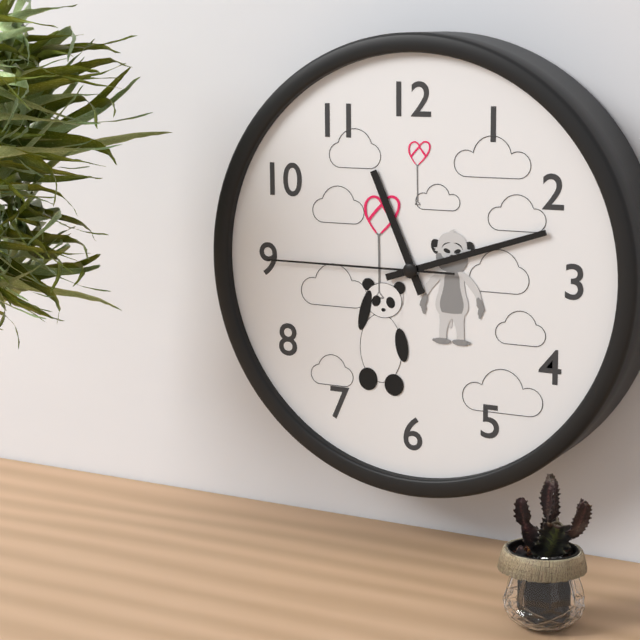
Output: **11:12:45**
